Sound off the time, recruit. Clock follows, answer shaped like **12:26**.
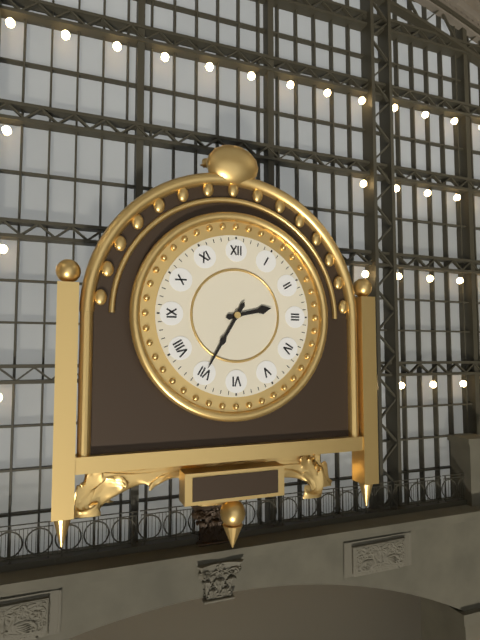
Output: **2:35**
